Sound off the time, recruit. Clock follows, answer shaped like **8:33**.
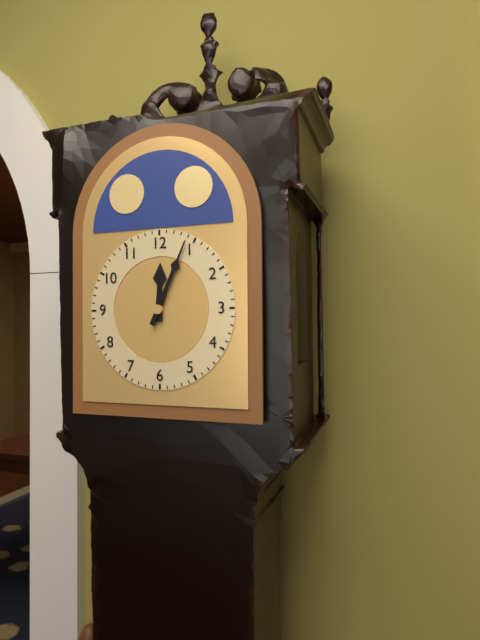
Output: **12:04**
